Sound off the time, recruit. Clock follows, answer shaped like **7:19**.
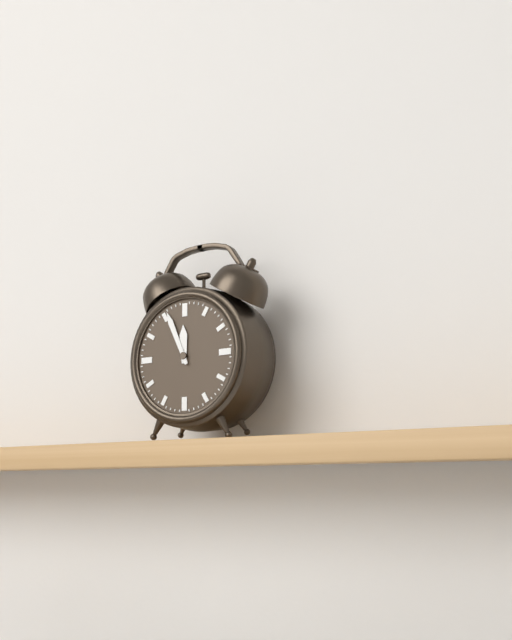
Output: **11:56**
